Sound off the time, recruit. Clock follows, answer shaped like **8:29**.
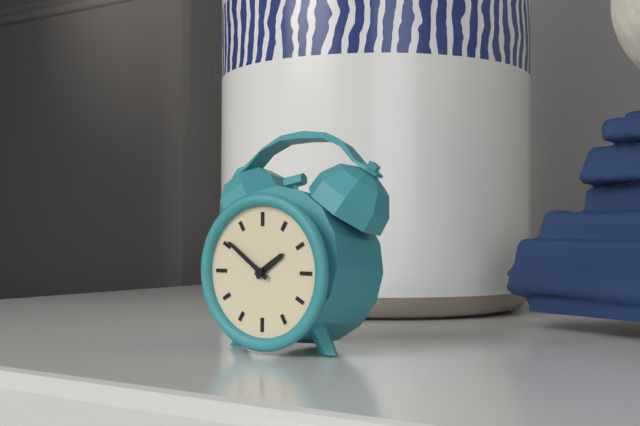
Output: **1:51**
